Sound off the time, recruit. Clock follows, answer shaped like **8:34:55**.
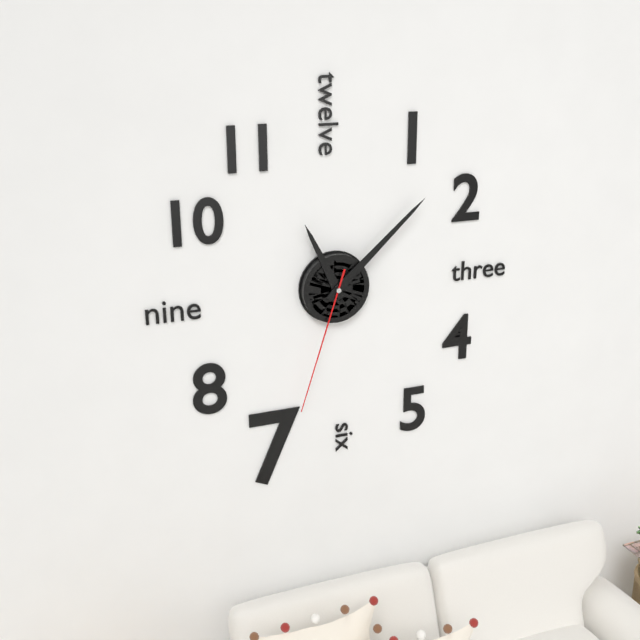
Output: **11:08:33**
